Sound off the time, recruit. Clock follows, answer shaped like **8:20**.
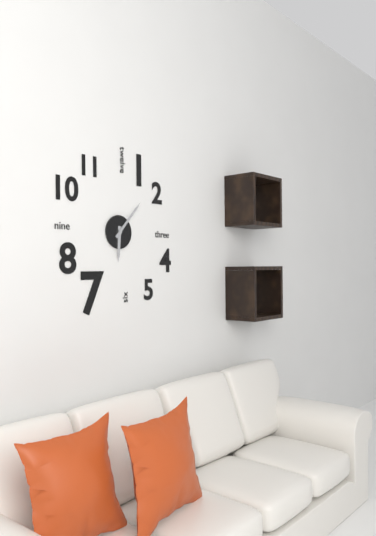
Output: **6:07**
